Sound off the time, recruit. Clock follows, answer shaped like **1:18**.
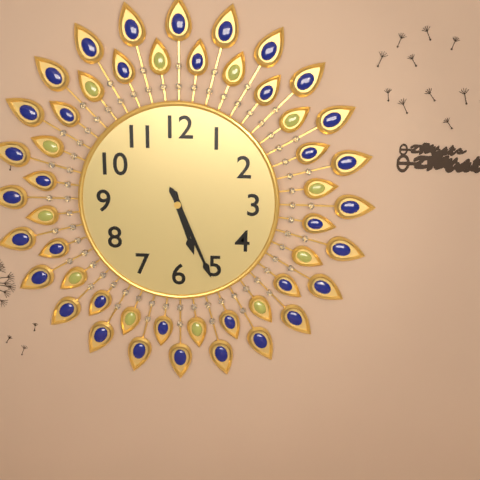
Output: **5:26**
